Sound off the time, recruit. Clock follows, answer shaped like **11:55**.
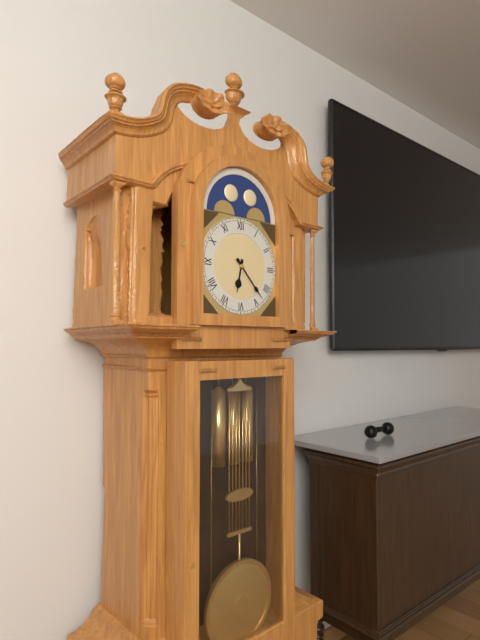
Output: **6:23**
